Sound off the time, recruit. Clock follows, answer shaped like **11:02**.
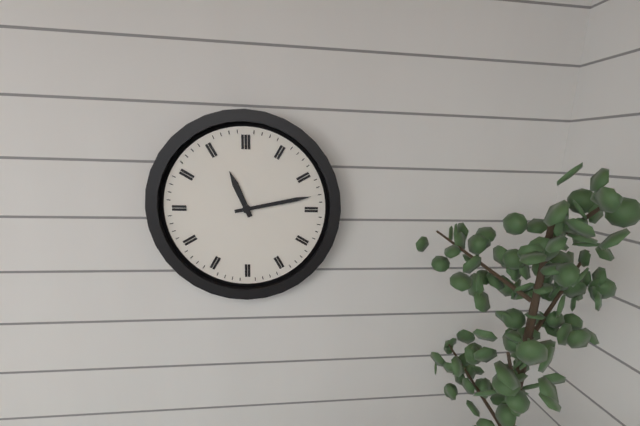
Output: **11:13**
